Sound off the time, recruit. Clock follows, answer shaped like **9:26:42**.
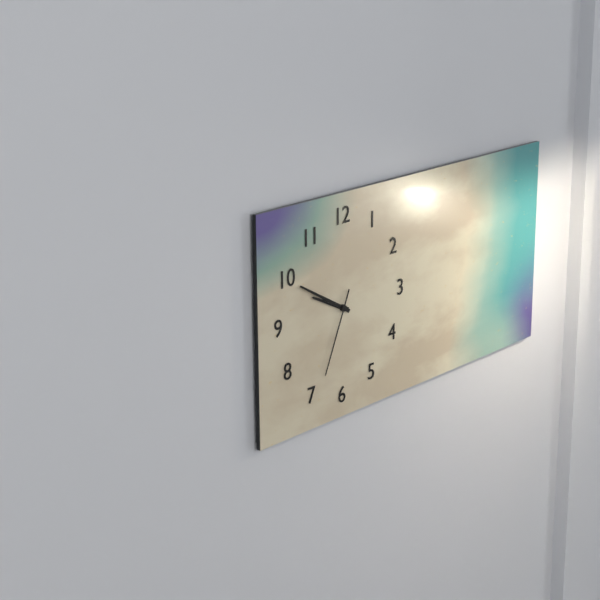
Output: **9:50:34**
